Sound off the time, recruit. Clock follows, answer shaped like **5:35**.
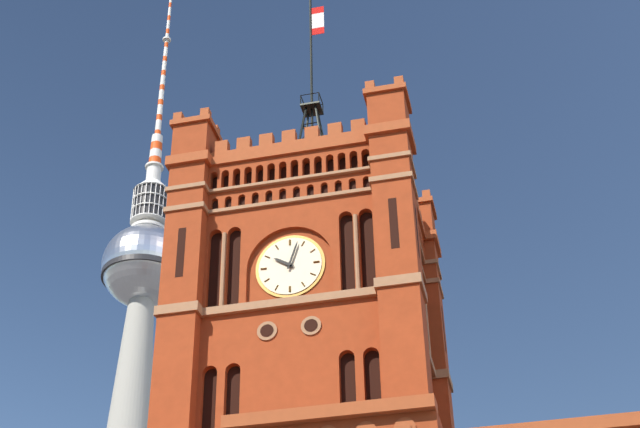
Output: **10:03**
